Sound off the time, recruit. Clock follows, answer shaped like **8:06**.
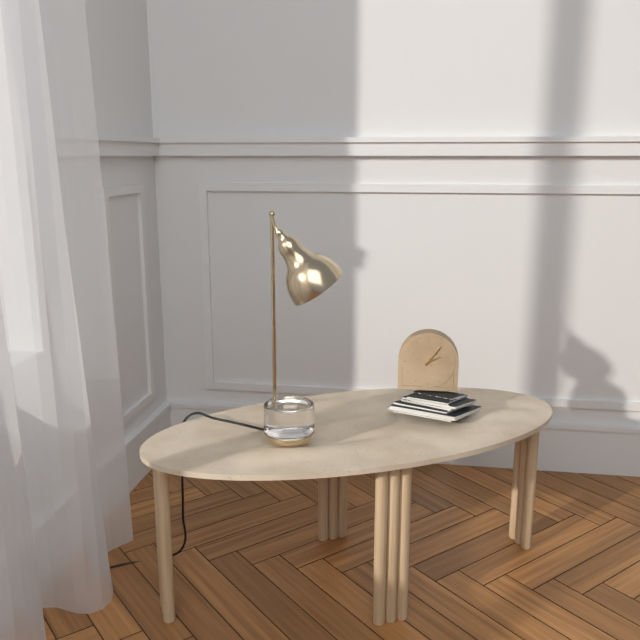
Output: **2:06**
